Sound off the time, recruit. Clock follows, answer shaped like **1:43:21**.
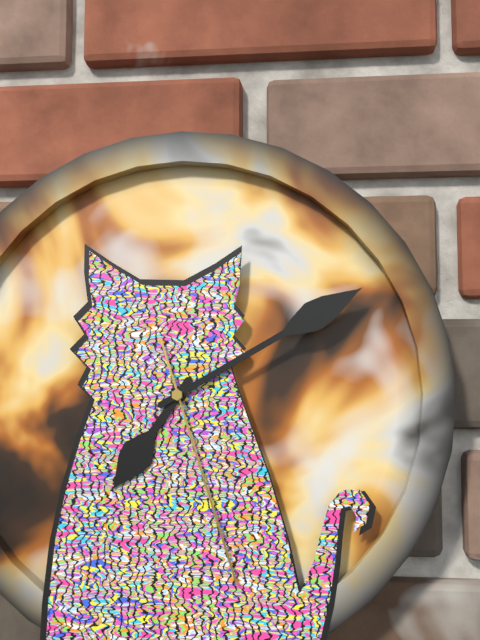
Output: **7:10:27**
